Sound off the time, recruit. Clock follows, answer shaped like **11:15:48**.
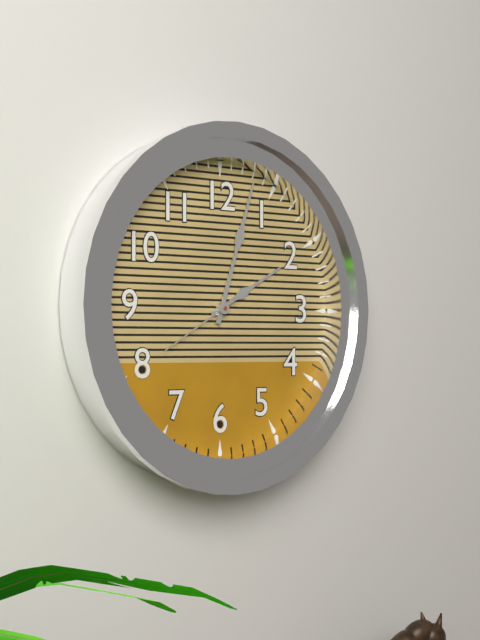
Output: **2:03:40**
